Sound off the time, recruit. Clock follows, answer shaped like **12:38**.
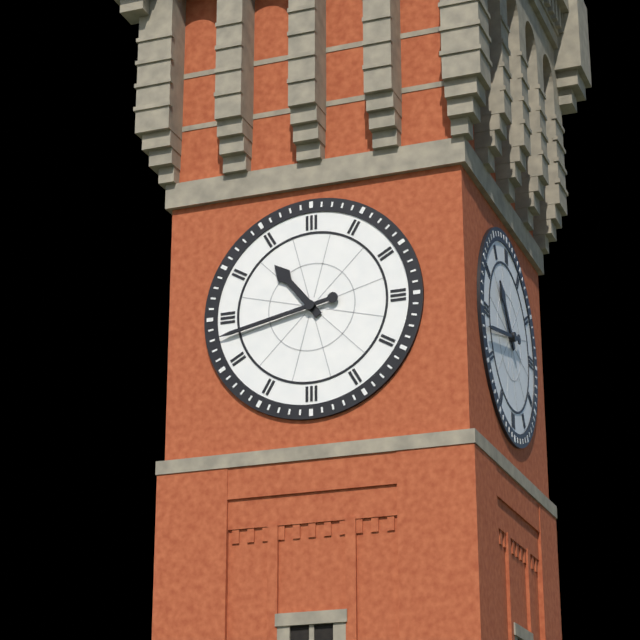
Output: **10:43**
